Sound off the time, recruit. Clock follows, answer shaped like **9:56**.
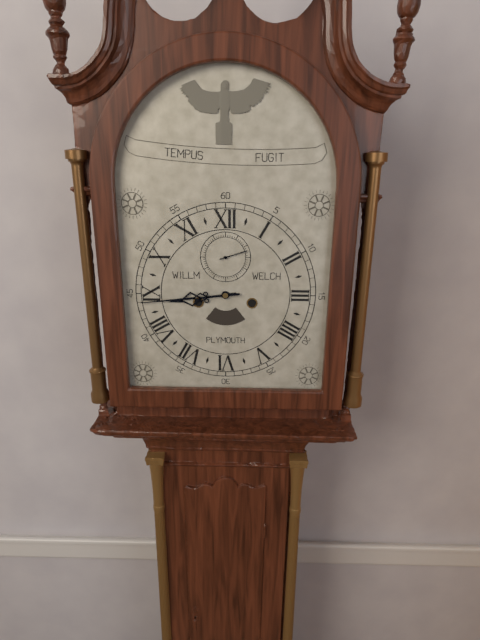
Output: **8:44**
